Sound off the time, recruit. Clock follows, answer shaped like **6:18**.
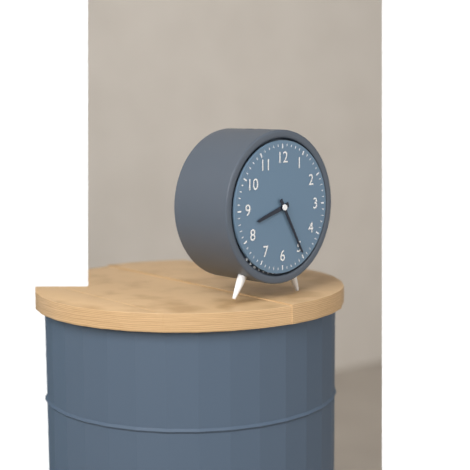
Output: **8:25**
